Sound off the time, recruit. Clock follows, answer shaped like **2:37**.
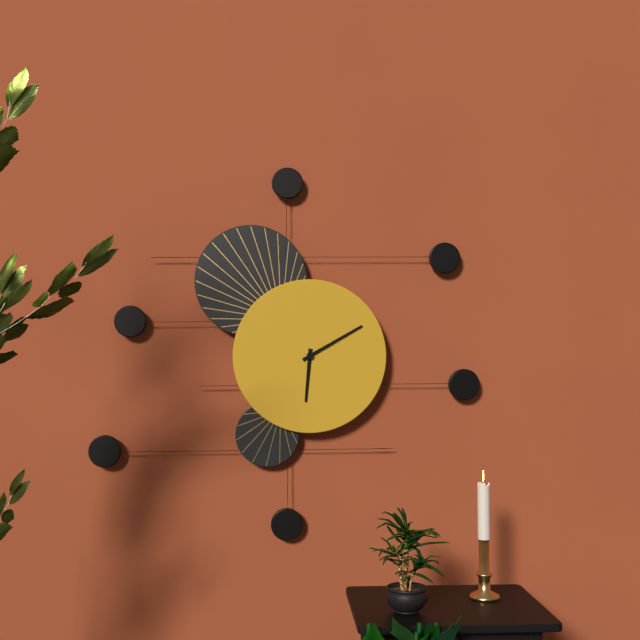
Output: **6:10**
